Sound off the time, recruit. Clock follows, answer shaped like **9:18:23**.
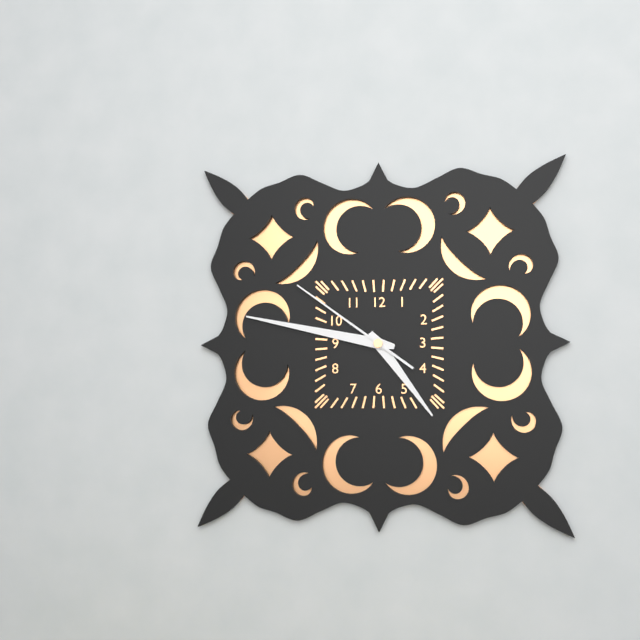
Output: **4:47:51**
